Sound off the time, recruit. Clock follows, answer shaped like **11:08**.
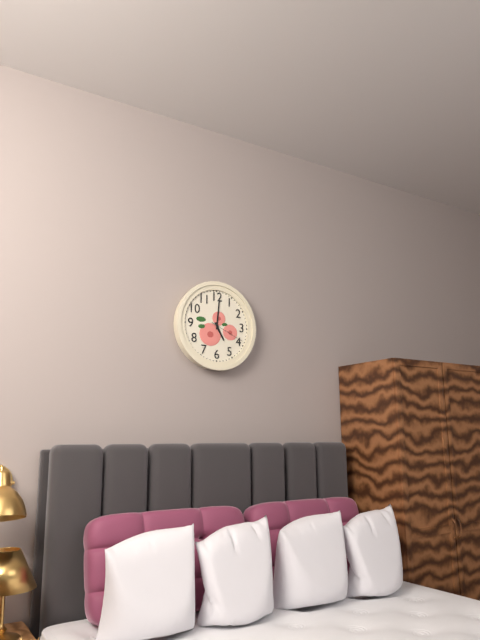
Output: **5:01**
